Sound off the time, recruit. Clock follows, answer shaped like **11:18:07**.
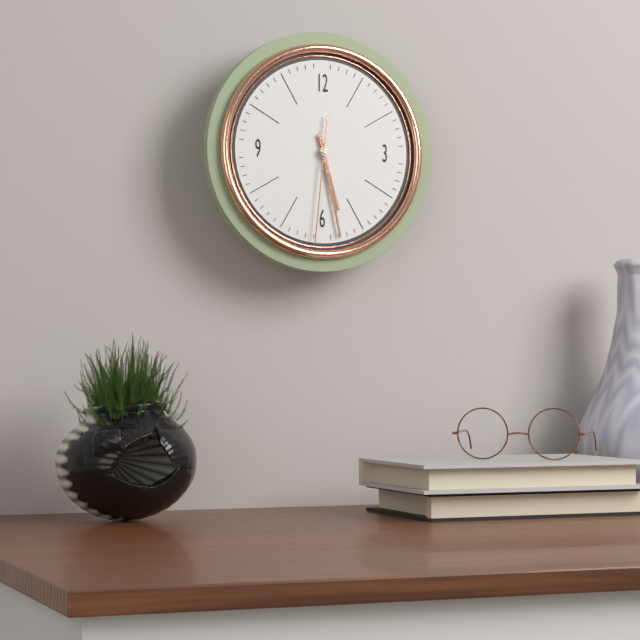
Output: **5:28:31**
